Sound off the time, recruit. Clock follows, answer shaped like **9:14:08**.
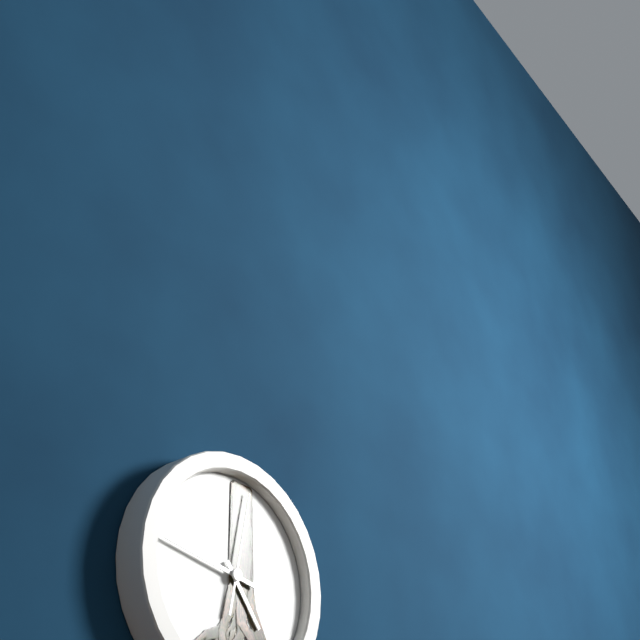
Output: **4:47:02**
